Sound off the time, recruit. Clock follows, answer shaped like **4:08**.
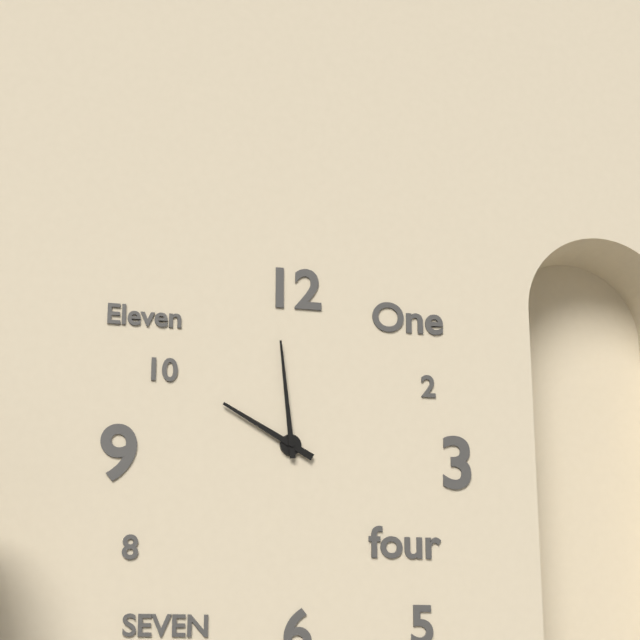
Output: **9:59**
